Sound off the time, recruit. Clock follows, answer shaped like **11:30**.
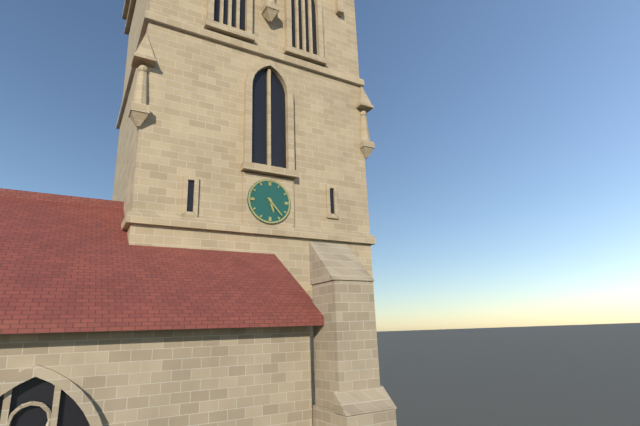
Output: **5:23**
